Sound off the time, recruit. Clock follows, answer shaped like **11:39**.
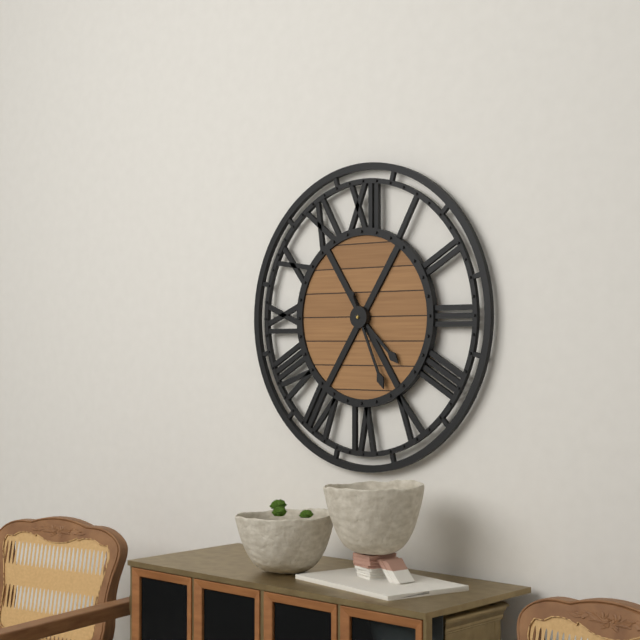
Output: **4:26**
